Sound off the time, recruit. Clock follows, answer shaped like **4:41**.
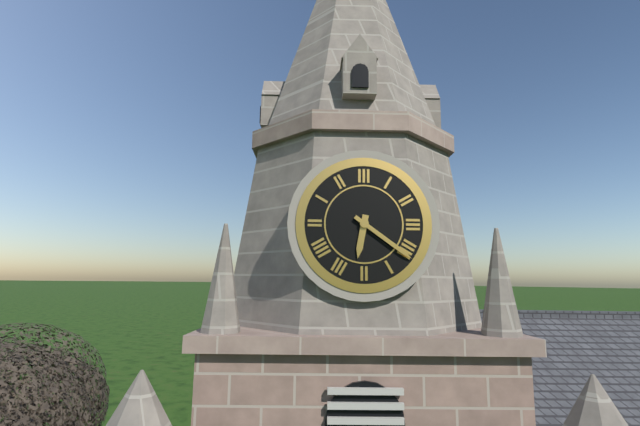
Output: **6:21**
